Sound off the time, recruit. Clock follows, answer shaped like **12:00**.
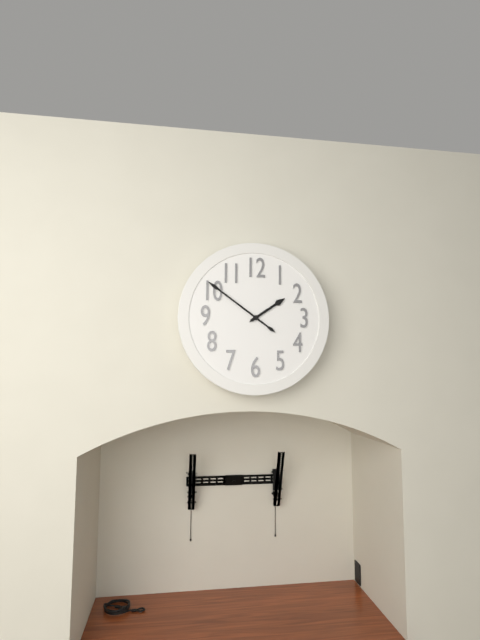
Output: **1:51**
